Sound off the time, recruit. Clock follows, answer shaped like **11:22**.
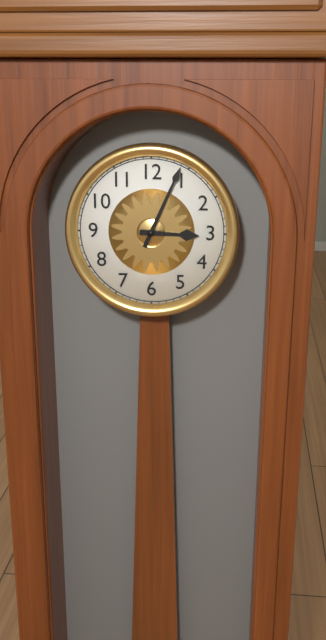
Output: **3:04**
